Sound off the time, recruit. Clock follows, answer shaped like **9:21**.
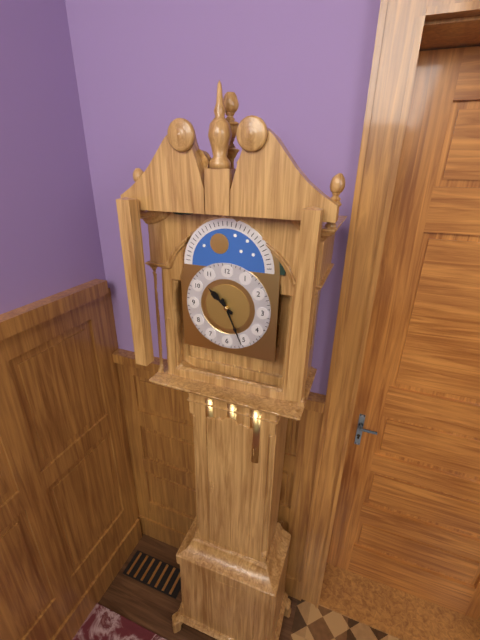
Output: **10:26**
